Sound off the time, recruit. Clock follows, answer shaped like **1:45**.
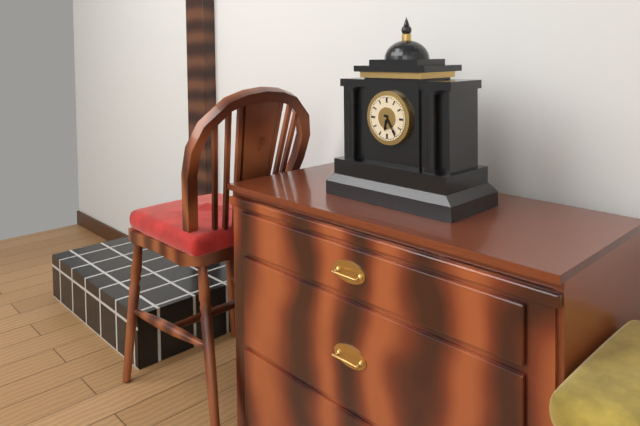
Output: **6:24**
